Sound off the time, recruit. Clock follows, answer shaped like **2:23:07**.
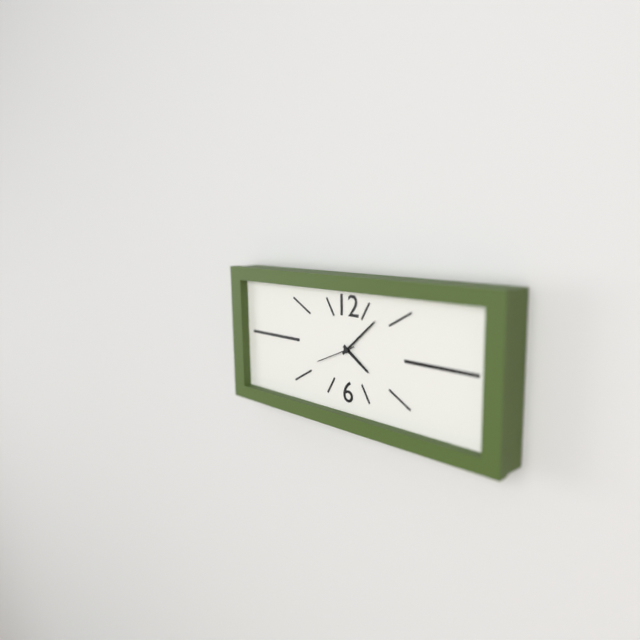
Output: **4:08:41**
